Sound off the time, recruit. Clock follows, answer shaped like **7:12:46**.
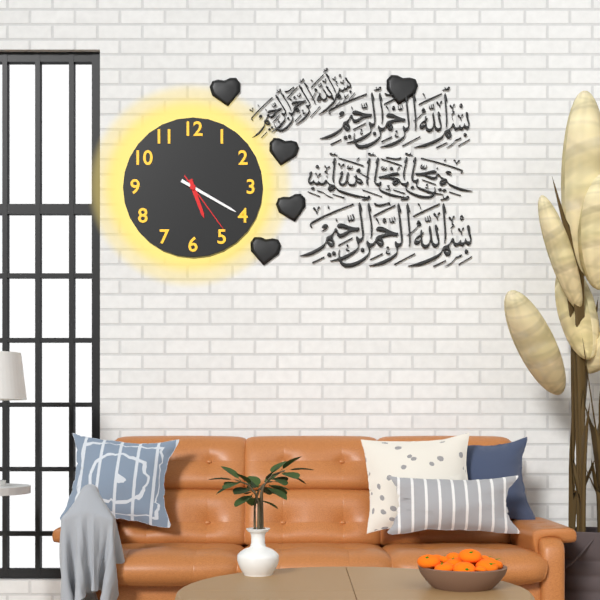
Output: **5:20:24**
